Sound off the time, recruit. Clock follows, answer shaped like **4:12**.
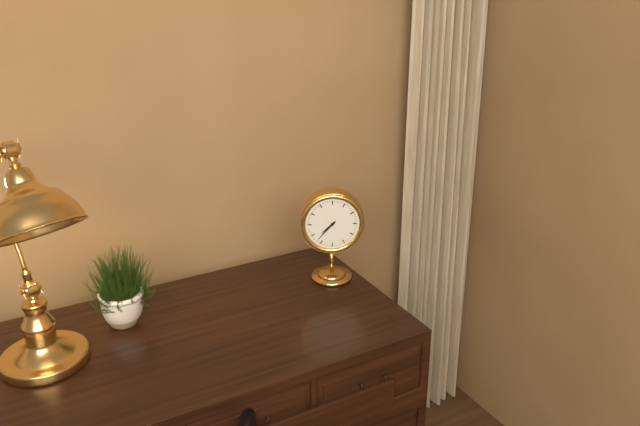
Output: **7:37**
